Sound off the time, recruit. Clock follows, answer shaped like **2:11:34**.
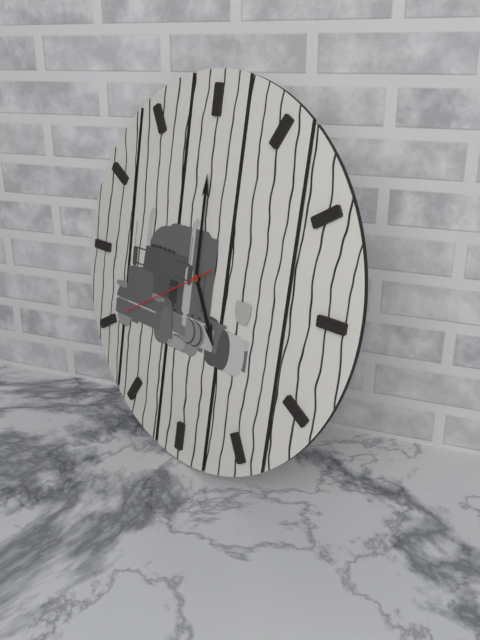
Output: **5:00:40**
